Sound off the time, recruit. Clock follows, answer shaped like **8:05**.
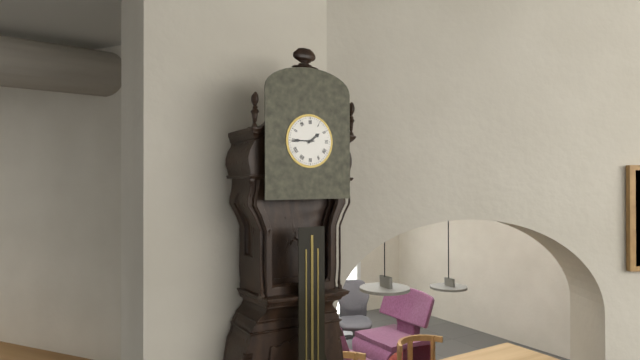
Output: **1:45**
